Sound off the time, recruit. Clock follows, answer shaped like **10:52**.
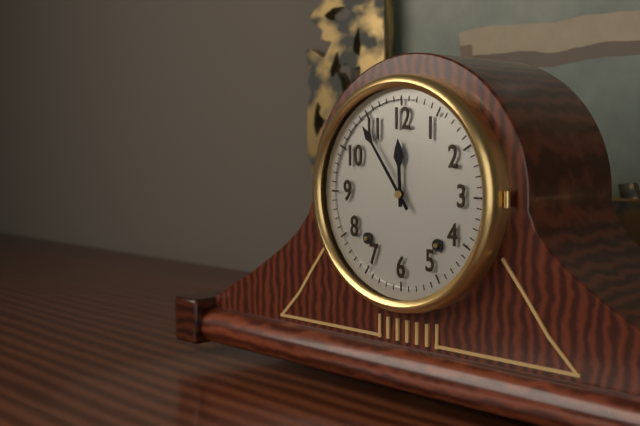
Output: **11:54**
